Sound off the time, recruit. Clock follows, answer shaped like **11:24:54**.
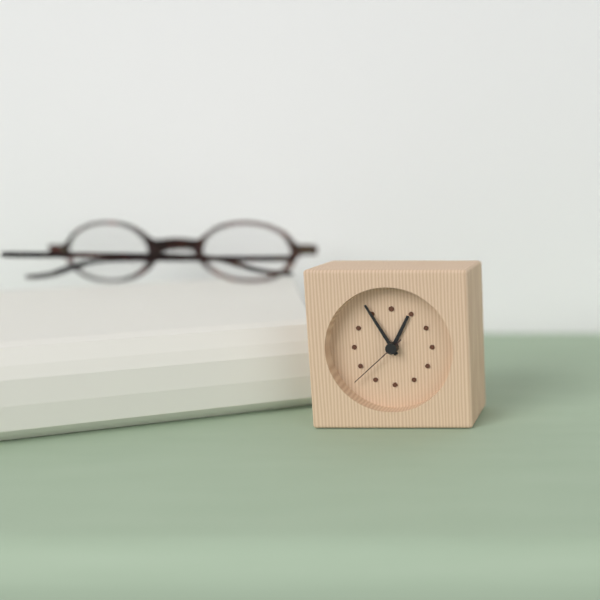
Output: **12:55:38**
